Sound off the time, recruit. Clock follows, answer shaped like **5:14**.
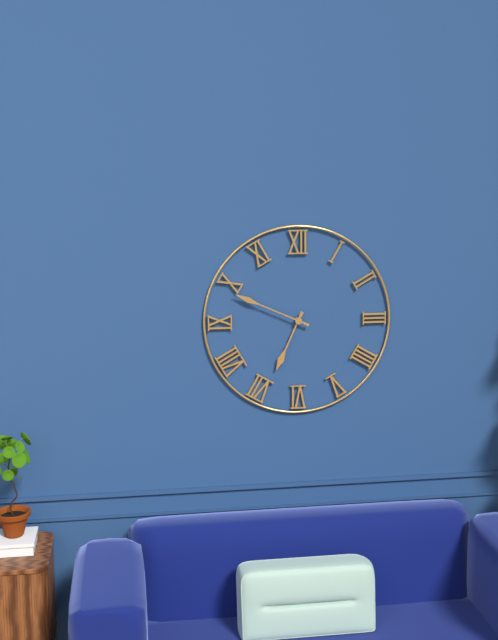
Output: **6:49**
